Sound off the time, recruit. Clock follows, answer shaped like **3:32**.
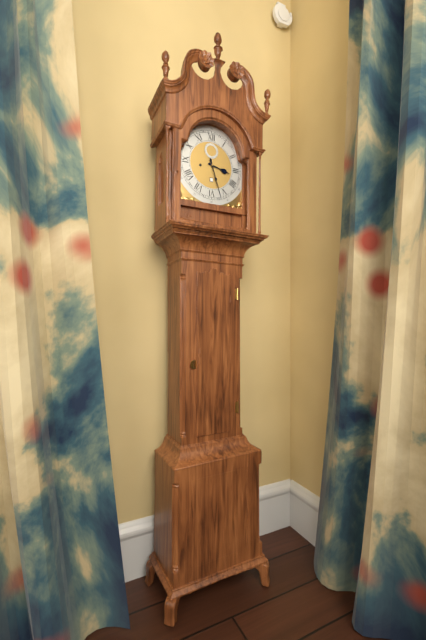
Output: **3:27**
